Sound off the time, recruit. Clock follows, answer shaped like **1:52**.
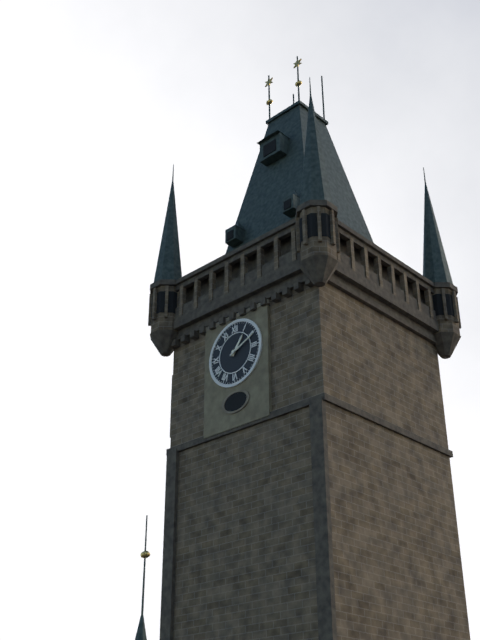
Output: **1:11**
